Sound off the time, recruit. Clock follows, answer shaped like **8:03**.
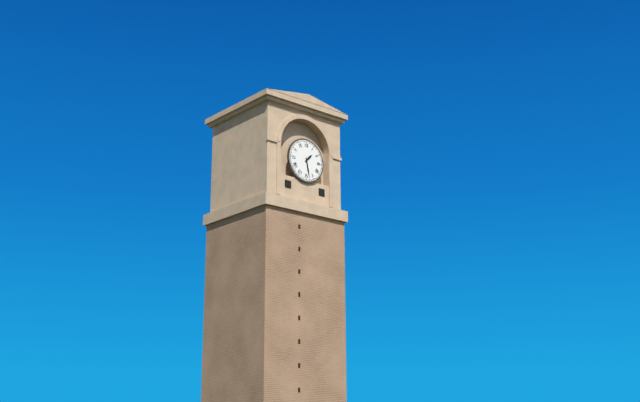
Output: **1:28**
